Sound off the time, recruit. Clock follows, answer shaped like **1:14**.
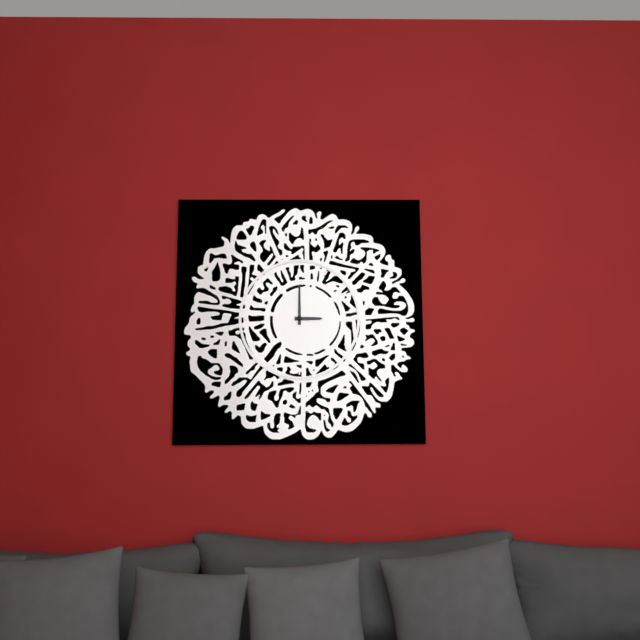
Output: **3:00**
